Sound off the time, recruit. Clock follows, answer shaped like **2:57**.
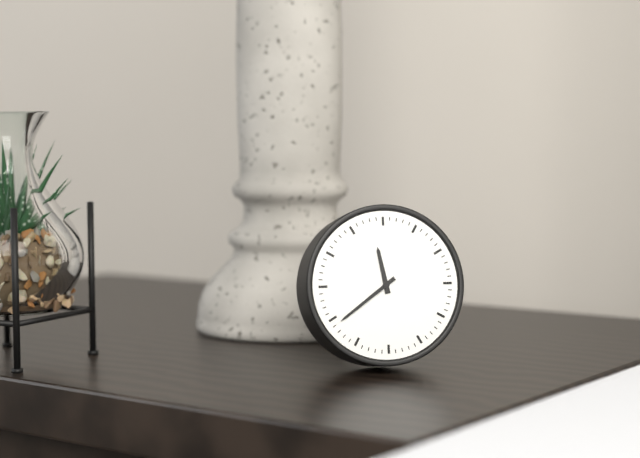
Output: **11:39**
